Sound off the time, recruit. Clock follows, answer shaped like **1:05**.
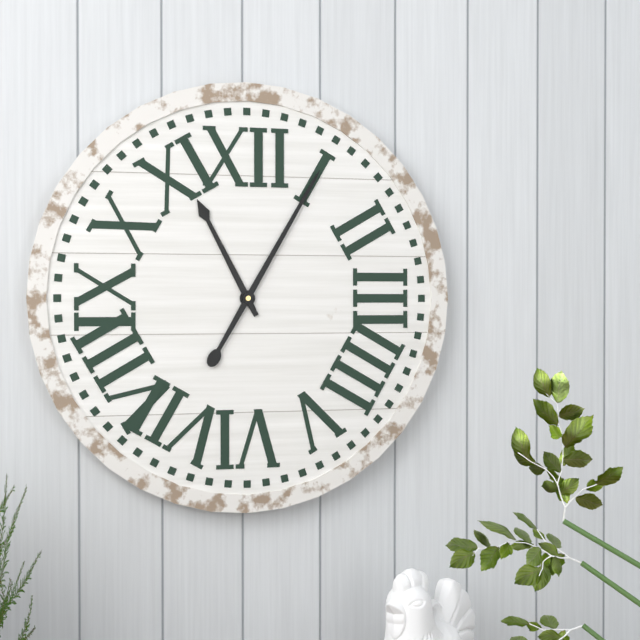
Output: **11:05**
